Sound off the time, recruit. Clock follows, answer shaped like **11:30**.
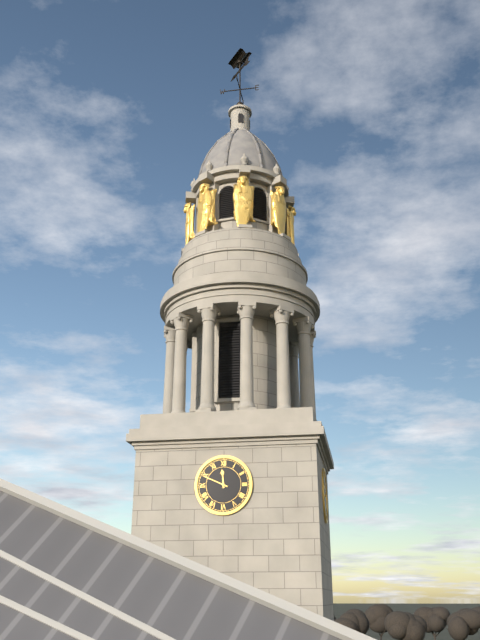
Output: **11:49**
